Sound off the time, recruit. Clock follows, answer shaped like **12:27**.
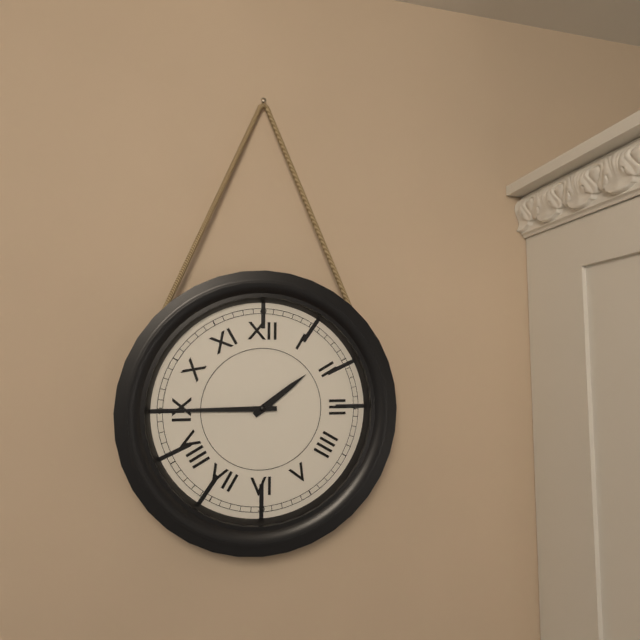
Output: **1:45**
